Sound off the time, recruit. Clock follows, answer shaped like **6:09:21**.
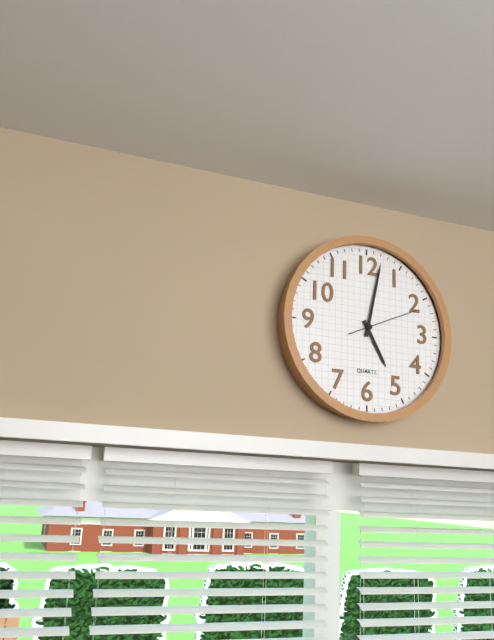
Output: **5:02:11**
